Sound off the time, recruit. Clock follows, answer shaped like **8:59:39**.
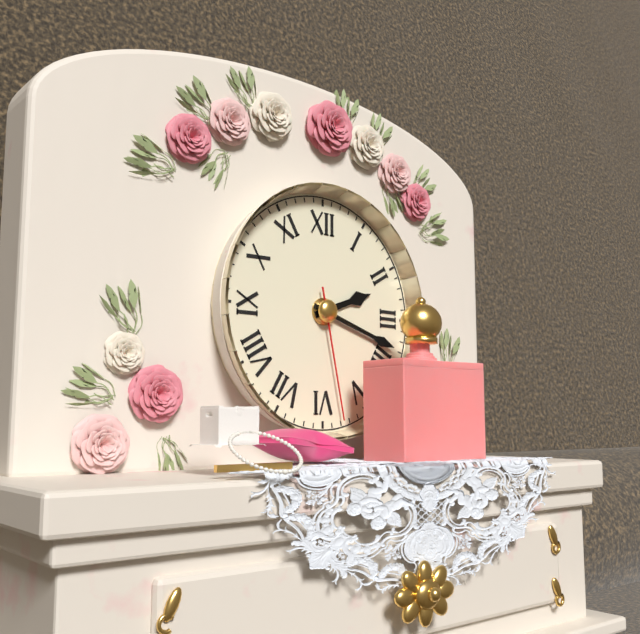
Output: **2:18:28**
